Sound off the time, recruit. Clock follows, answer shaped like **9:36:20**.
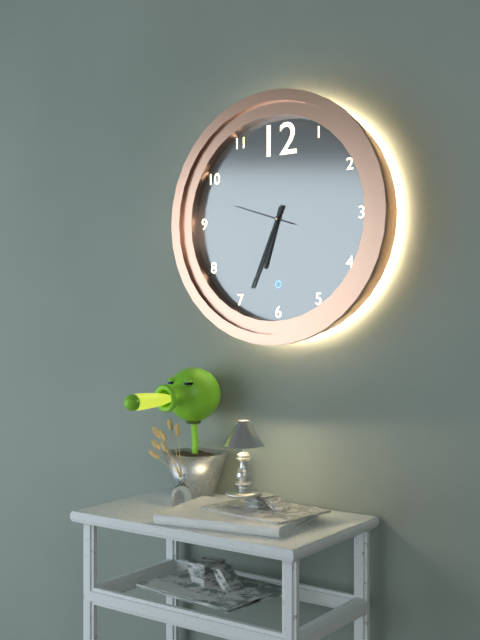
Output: **6:34:48**
